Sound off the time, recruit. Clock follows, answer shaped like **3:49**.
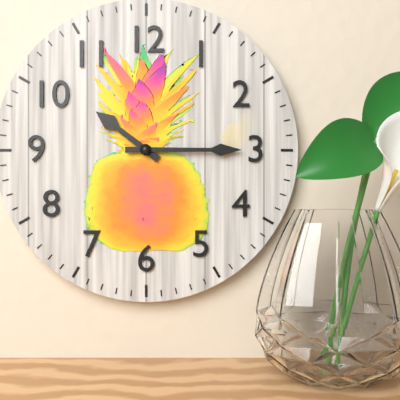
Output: **10:15**
